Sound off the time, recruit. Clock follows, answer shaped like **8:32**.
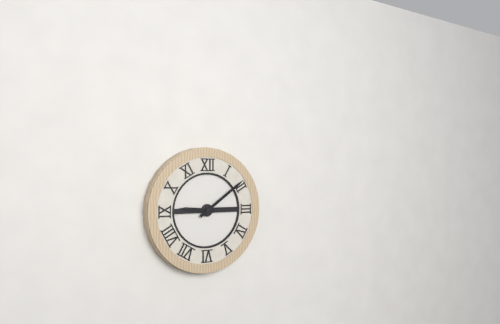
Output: **9:09**
